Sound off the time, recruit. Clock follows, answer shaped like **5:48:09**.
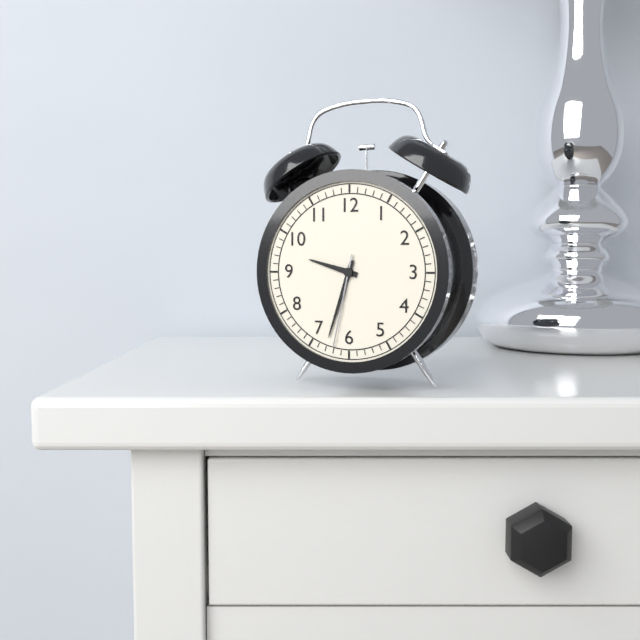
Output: **9:33:32**
